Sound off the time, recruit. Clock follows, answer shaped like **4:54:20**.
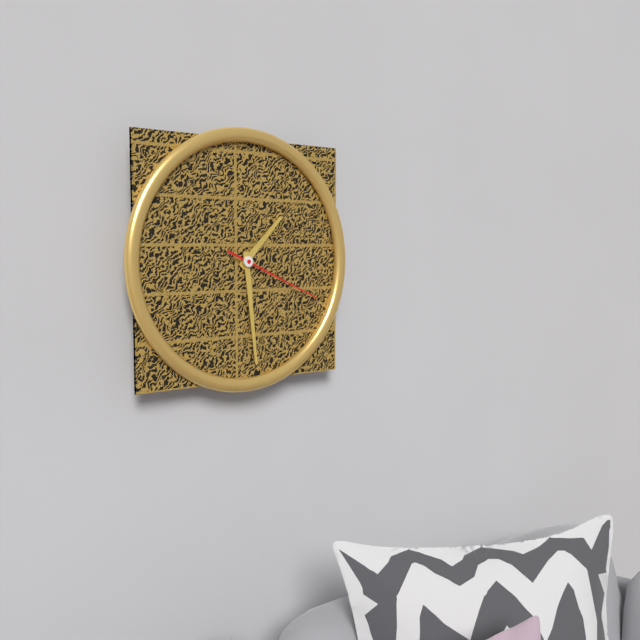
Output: **1:29:19**
